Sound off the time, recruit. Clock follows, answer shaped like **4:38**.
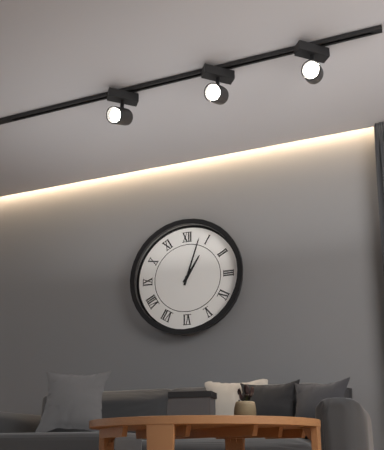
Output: **1:03**
